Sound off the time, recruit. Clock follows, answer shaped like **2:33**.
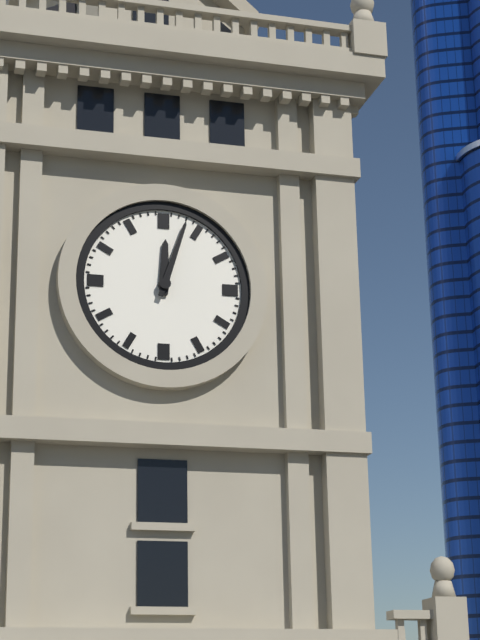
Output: **12:03**
